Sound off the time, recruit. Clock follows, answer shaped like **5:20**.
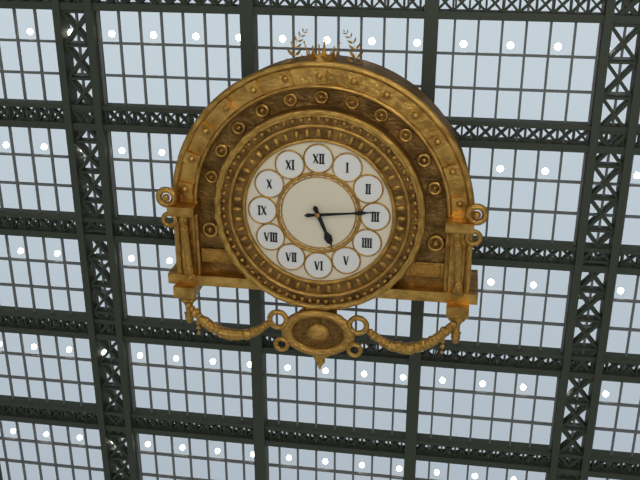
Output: **5:14**
